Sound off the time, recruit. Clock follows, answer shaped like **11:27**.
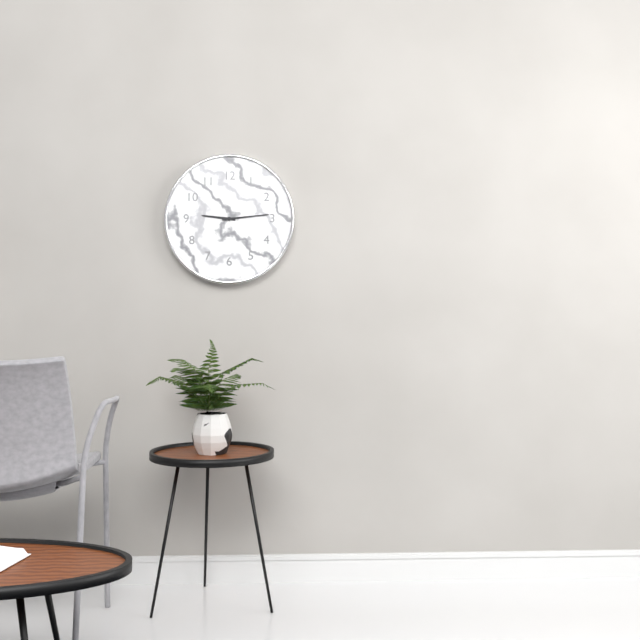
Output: **9:14**
